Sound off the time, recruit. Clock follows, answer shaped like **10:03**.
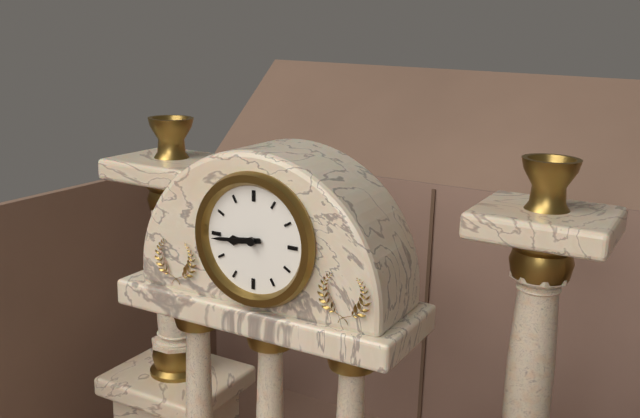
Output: **8:44**
